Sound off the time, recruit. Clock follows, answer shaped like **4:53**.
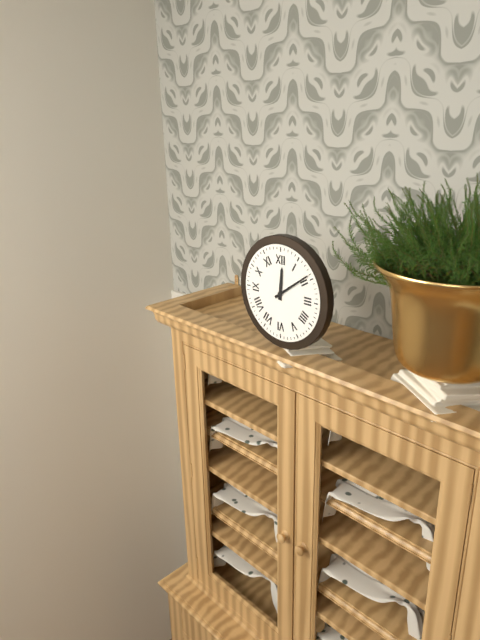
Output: **12:09**
